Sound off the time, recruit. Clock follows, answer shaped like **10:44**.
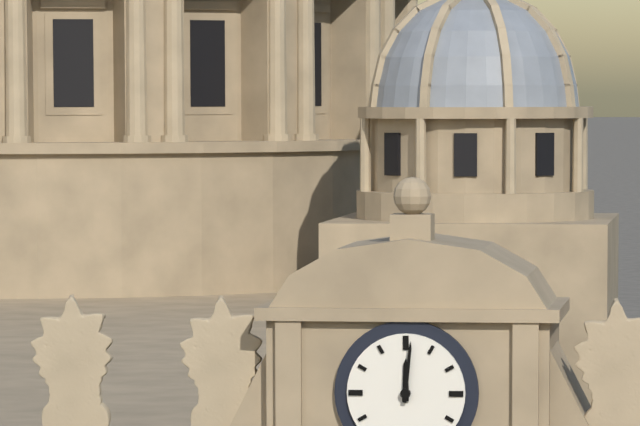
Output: **12:01**
